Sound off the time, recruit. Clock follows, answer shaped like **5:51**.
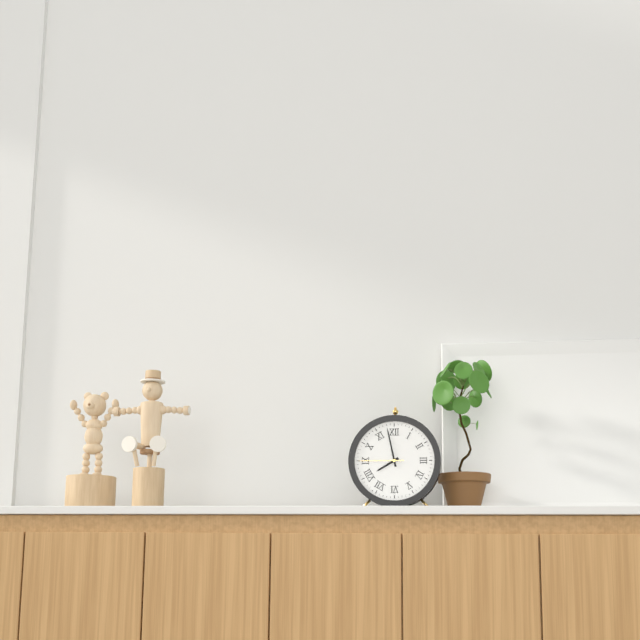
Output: **7:58**
